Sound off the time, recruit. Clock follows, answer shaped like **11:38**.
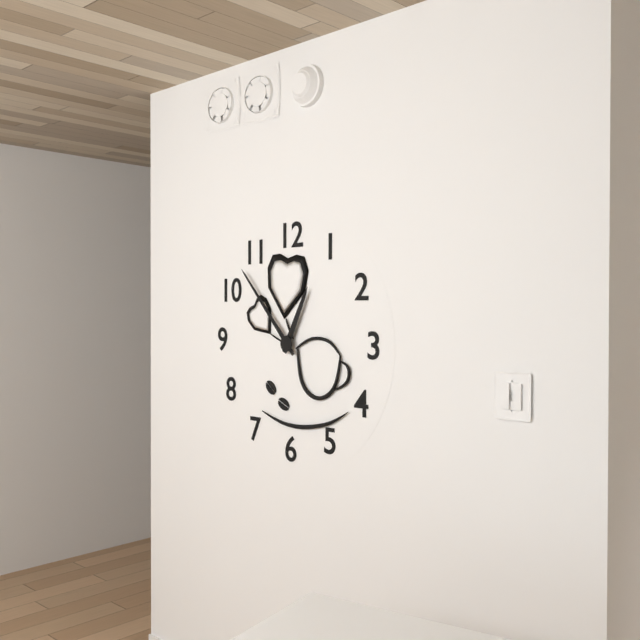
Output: **12:53**
